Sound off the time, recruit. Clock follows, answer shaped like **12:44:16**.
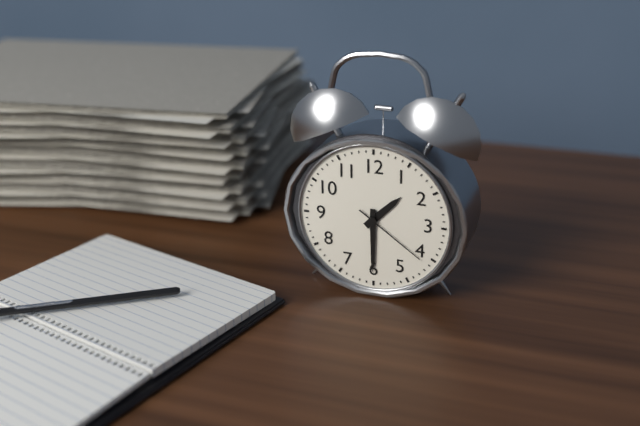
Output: **1:30:21**
